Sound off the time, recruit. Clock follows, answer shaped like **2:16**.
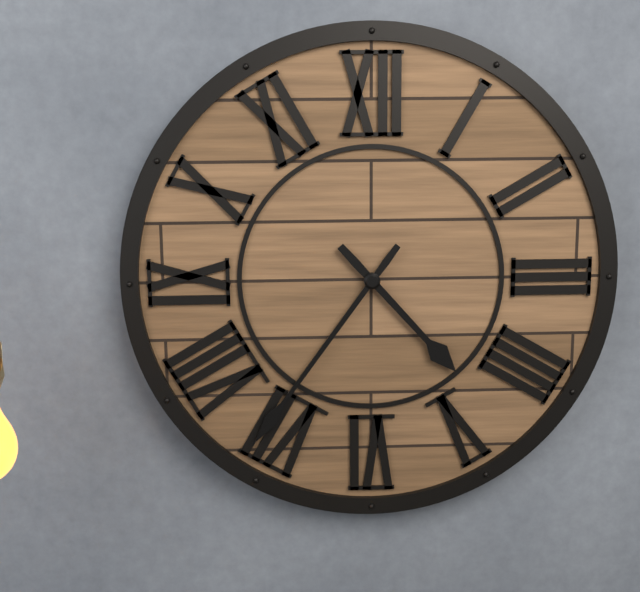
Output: **4:36**
